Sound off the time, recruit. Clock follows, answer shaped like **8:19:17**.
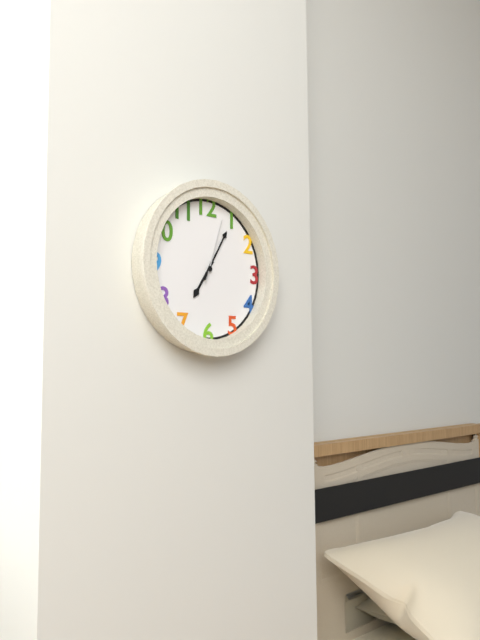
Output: **7:05:03**
